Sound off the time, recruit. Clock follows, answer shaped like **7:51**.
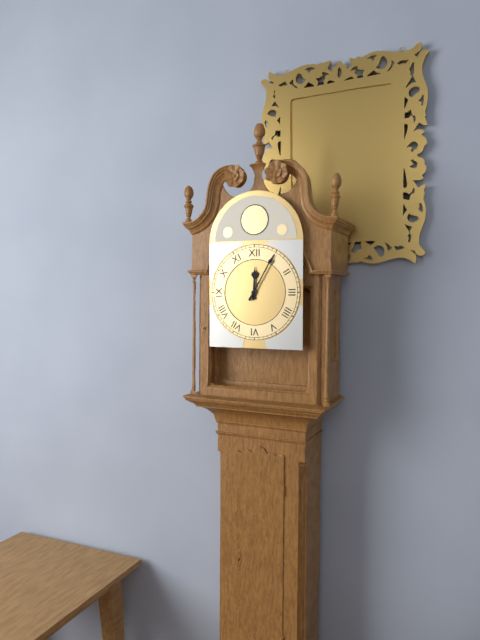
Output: **12:05**
